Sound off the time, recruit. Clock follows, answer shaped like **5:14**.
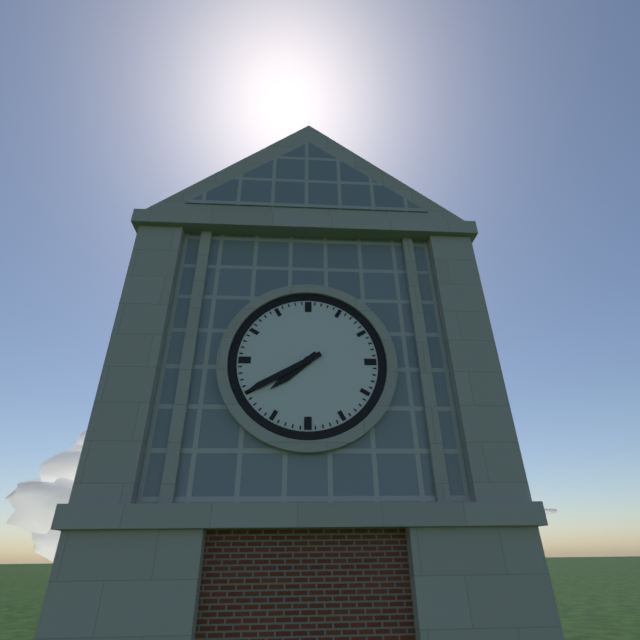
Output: **7:40**
